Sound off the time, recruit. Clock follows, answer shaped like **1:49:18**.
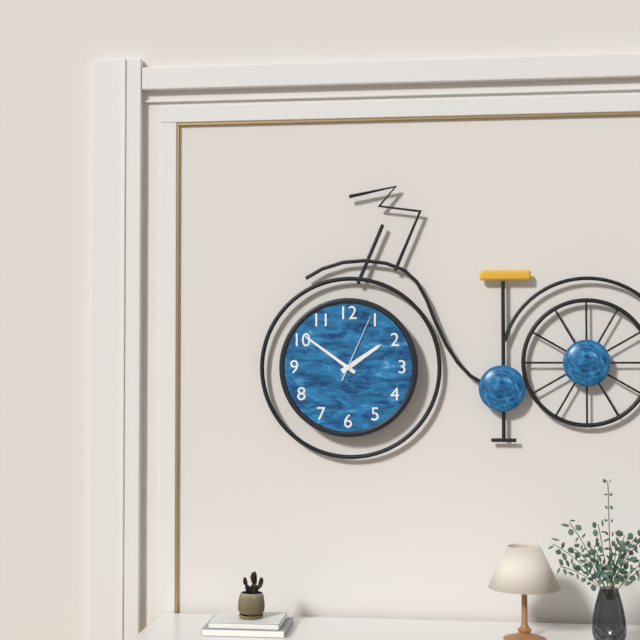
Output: **1:51:04**
